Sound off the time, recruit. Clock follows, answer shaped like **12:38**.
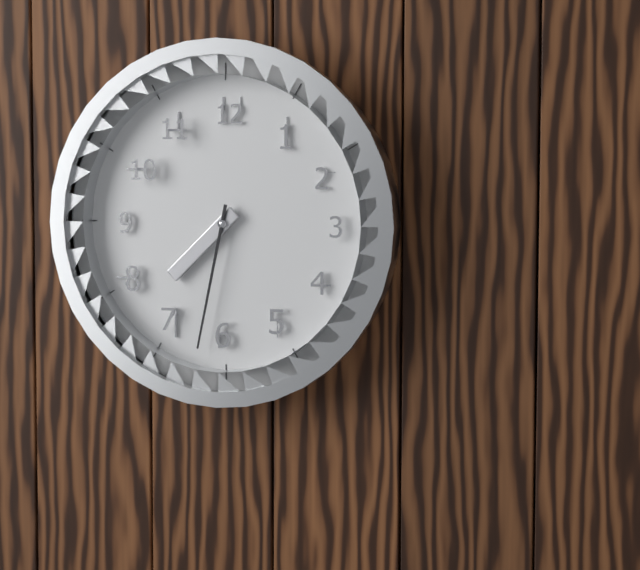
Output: **7:32**
